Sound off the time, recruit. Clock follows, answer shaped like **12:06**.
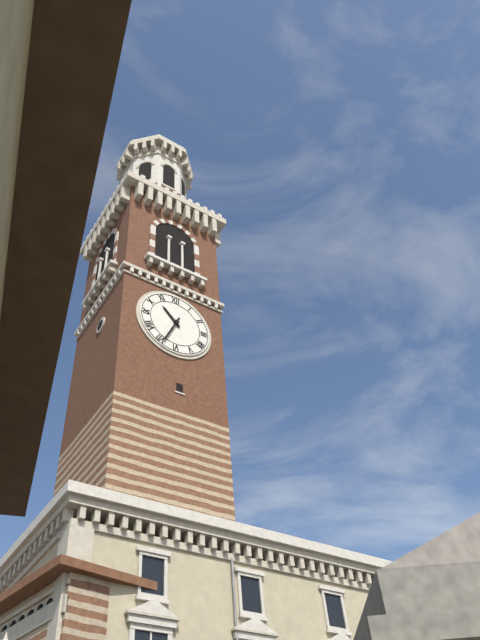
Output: **10:34**
